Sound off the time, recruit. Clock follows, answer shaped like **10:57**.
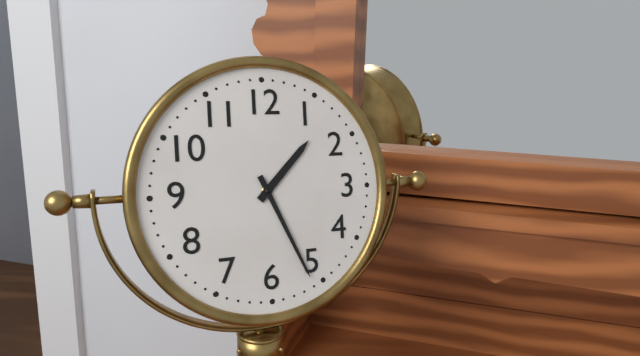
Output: **1:26**
